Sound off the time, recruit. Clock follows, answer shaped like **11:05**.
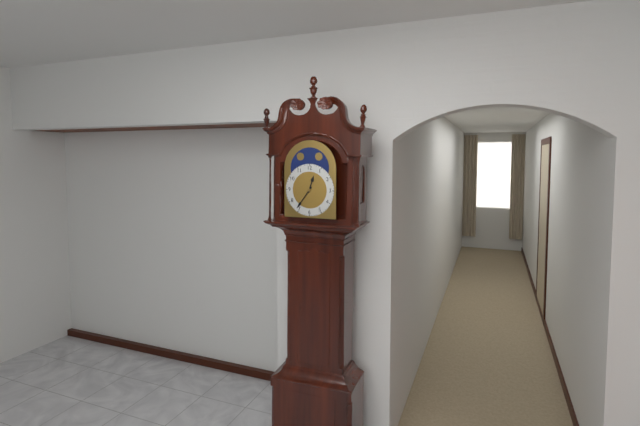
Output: **12:36**
